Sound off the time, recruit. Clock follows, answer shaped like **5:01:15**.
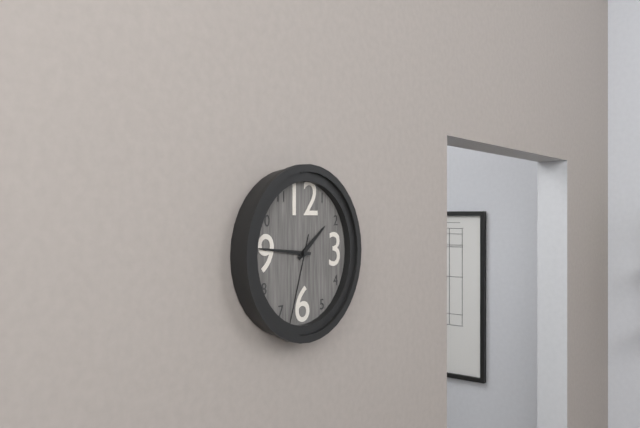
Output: **1:46:33**
